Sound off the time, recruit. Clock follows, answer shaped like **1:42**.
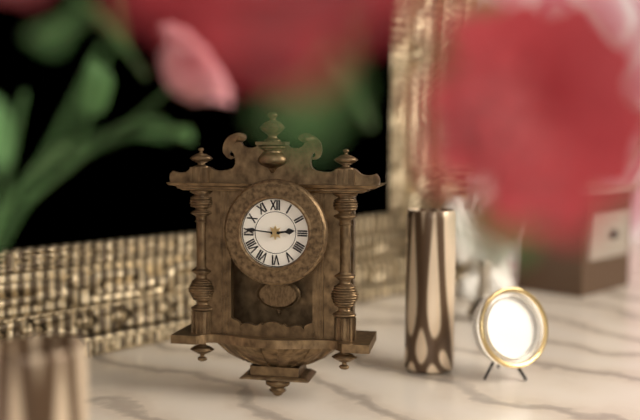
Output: **2:46**
